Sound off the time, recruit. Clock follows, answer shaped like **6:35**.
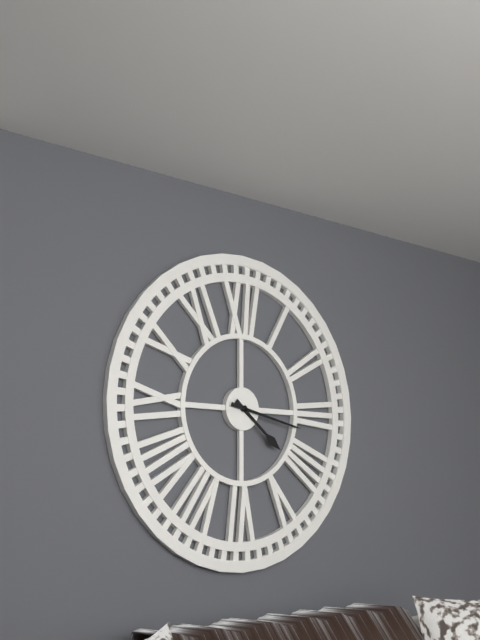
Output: **4:17**
